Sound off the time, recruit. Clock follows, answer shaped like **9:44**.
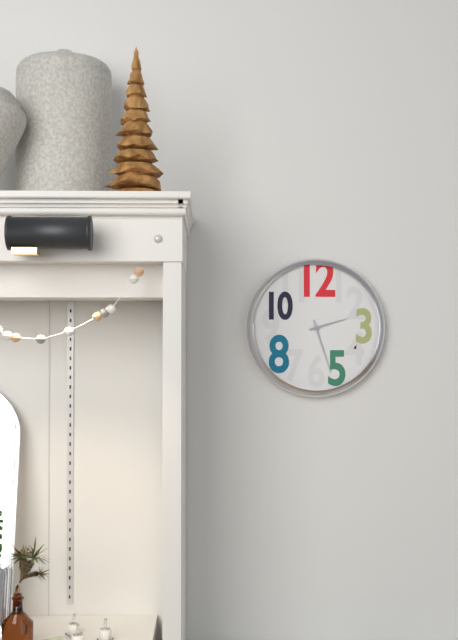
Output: **2:27**
